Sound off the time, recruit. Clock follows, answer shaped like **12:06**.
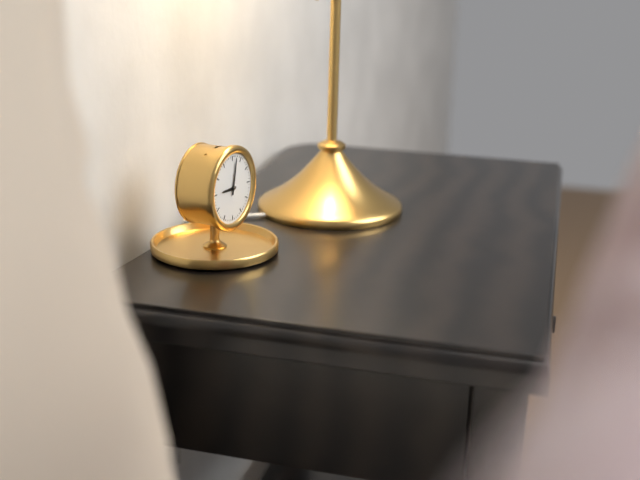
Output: **9:02**
